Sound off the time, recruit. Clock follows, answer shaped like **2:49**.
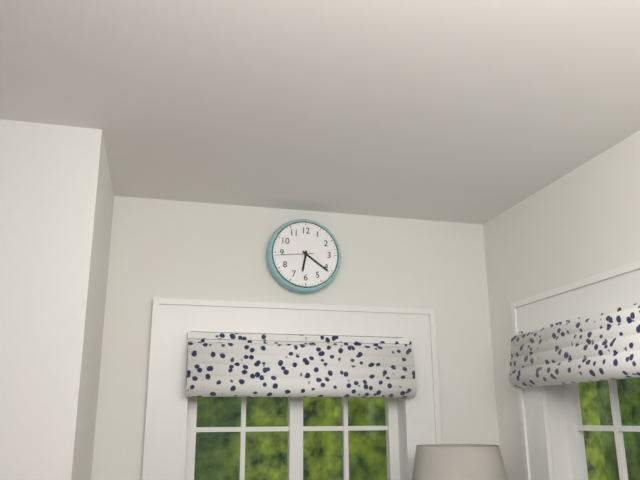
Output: **6:21**
